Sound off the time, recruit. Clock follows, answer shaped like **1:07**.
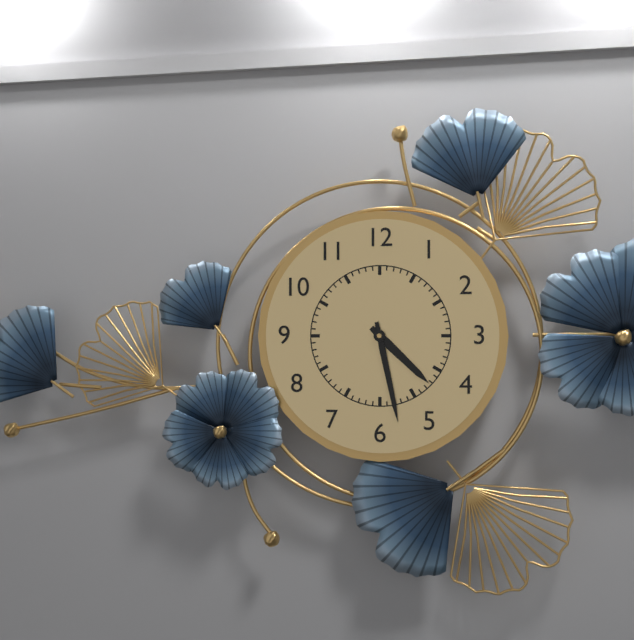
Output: **4:28**
